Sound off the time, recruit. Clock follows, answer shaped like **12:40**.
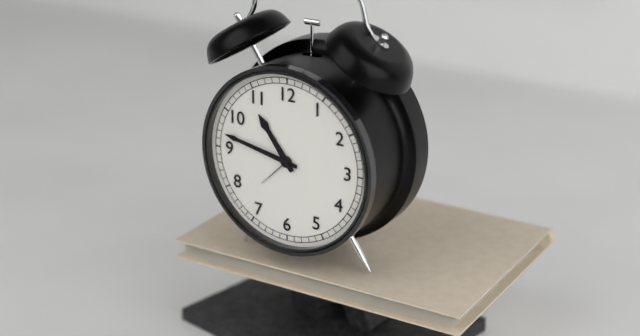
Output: **10:47**
